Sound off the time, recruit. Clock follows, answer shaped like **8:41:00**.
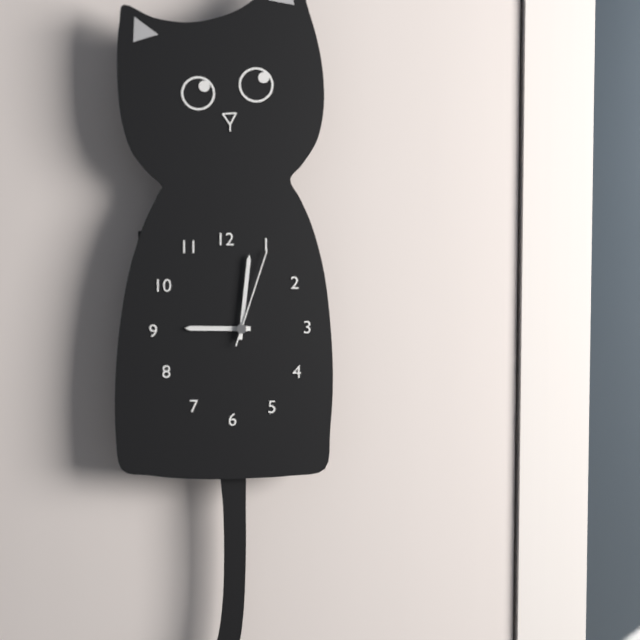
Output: **9:01:03**
